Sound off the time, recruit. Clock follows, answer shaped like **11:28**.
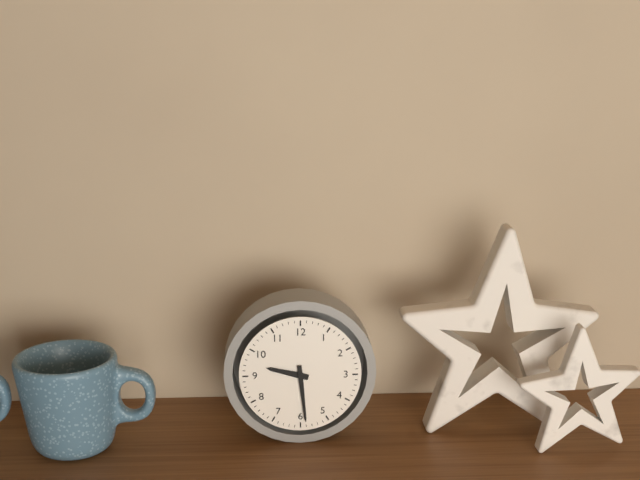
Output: **9:29**
